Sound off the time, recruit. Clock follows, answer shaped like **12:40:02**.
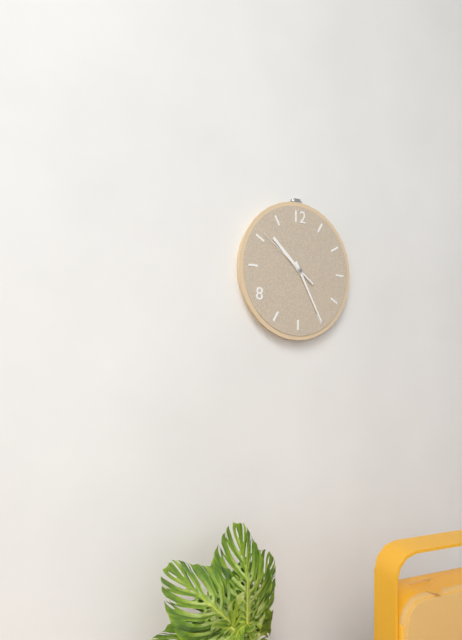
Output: **10:25:51**
